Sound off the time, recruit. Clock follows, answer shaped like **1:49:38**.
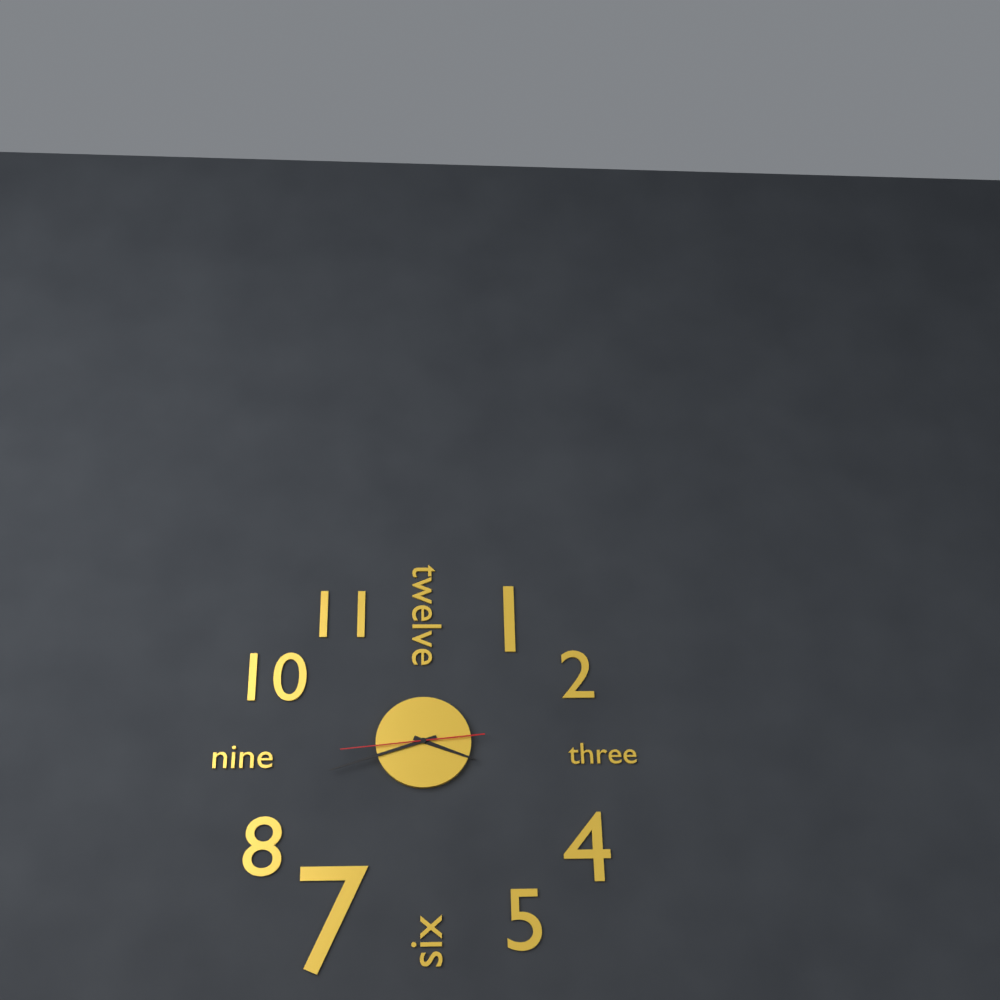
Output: **3:42:44**
